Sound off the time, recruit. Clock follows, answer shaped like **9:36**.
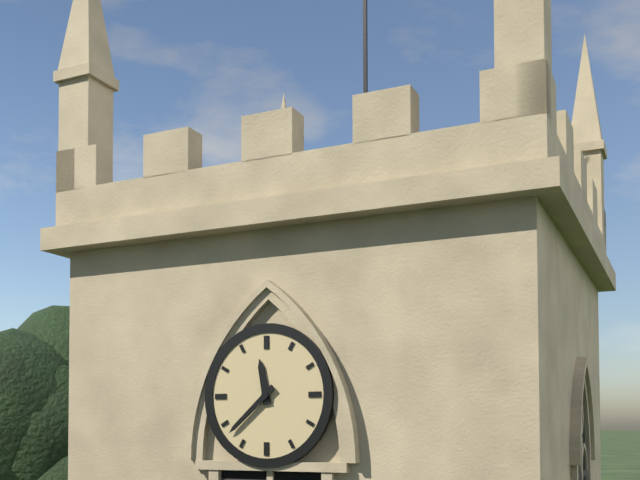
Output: **11:38**
